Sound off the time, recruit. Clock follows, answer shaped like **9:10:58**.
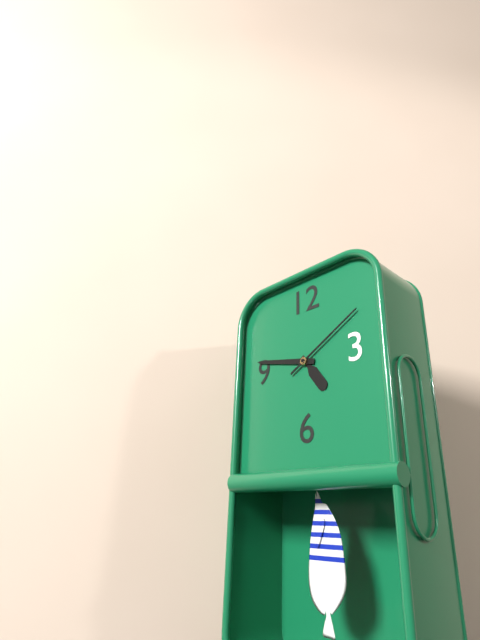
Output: **4:47:10**
